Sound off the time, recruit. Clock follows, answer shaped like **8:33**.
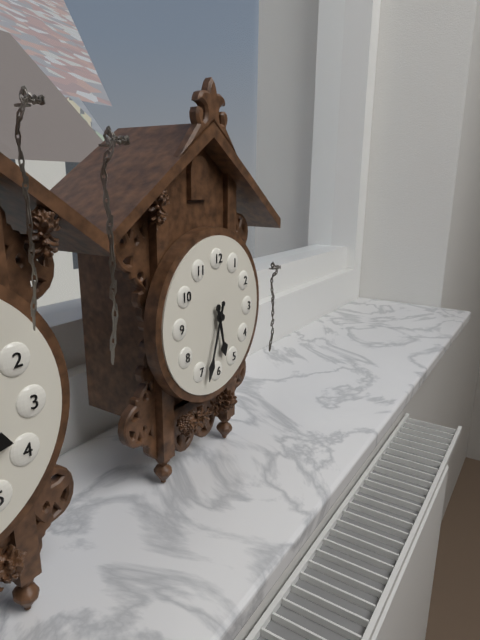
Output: **5:33**
